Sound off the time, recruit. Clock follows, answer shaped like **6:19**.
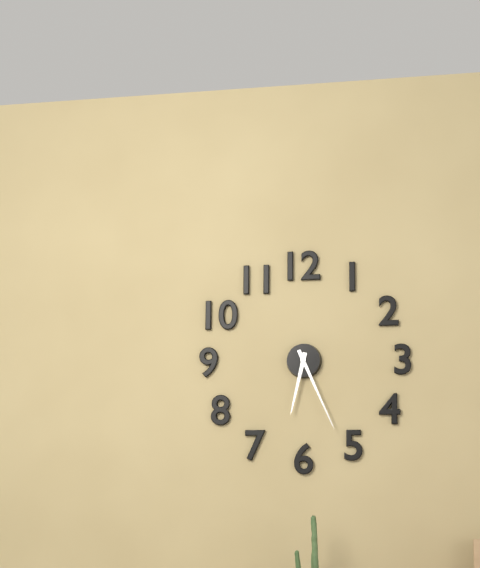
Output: **6:26**
